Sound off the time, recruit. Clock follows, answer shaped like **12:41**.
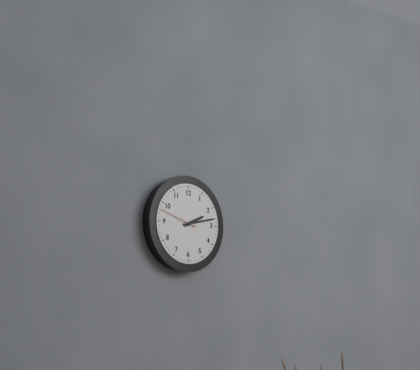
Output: **2:13**
